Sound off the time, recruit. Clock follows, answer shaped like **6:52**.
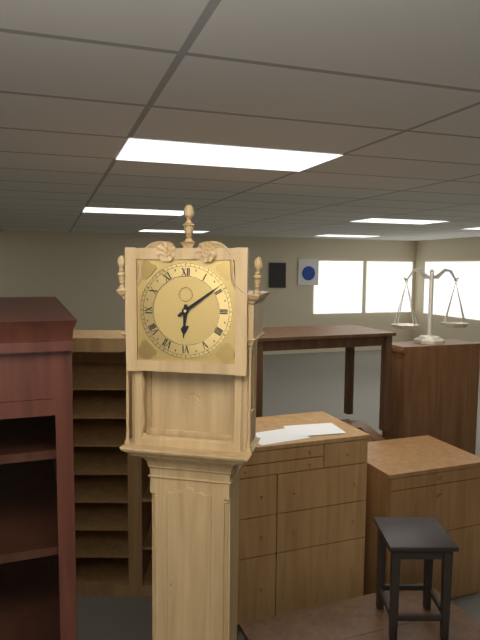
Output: **6:09**
